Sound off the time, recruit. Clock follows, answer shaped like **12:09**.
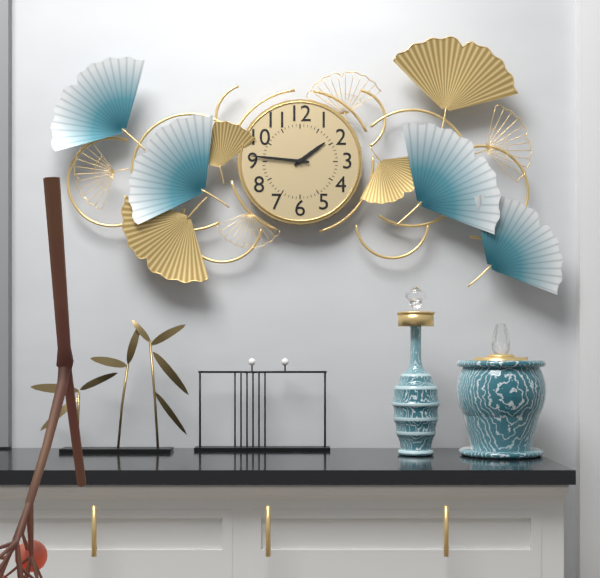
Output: **1:46**
